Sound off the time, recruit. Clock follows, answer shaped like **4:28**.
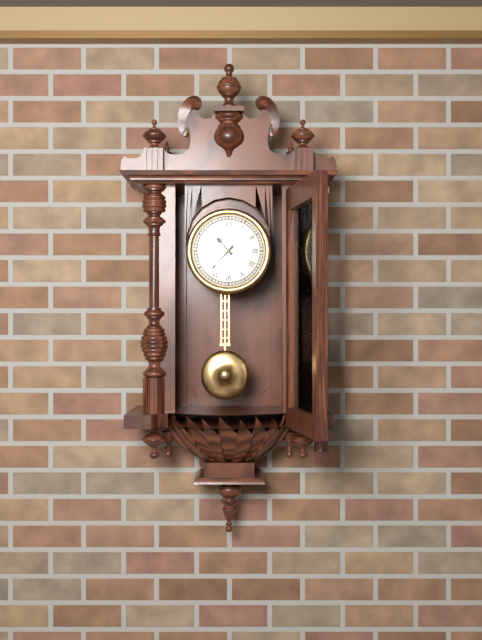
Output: **10:37**
